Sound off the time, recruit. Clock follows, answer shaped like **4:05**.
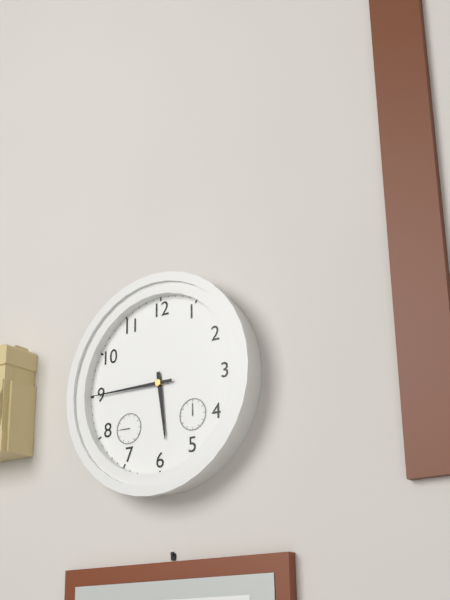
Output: **5:45**
